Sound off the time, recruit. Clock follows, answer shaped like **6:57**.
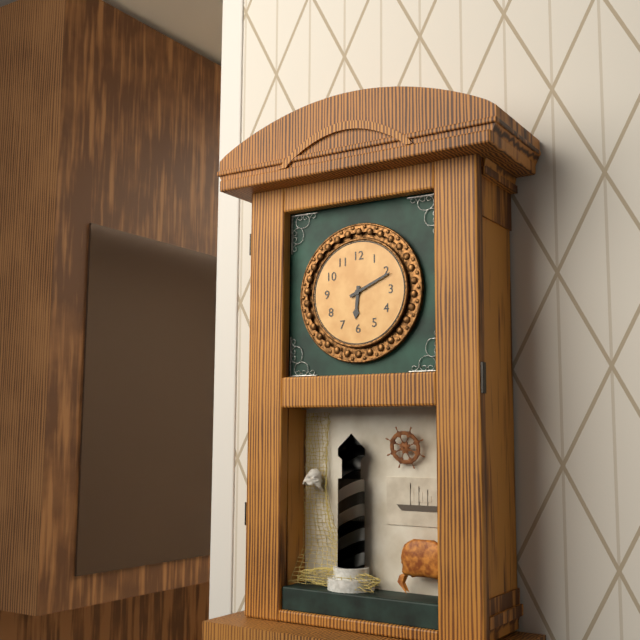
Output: **6:11**
